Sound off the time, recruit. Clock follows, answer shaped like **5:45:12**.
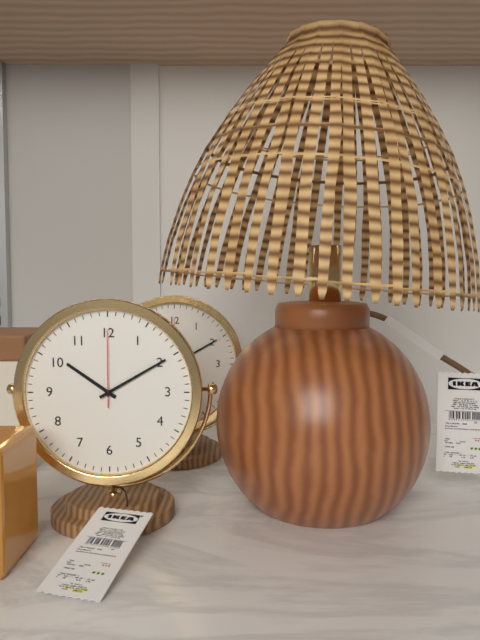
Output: **10:10:00**
